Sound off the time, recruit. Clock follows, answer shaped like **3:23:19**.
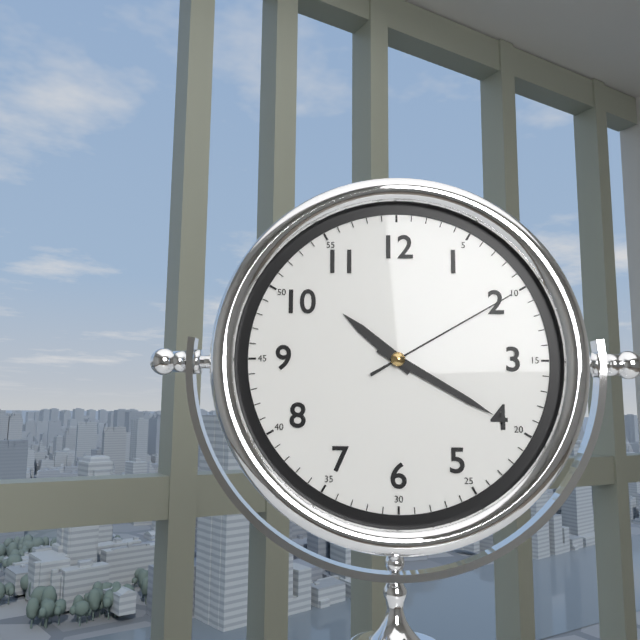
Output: **10:20:10**
